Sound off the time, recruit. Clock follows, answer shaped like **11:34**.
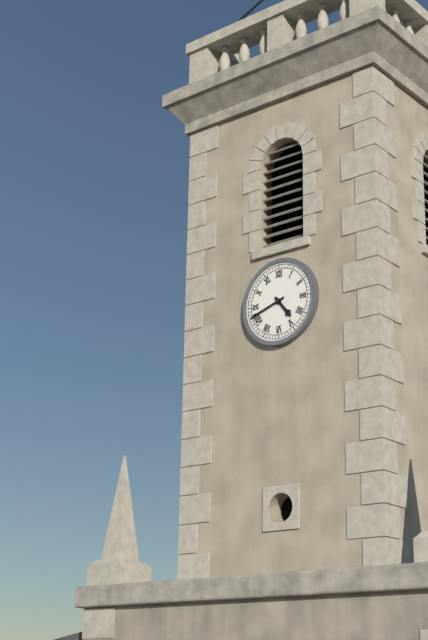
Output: **4:42**
